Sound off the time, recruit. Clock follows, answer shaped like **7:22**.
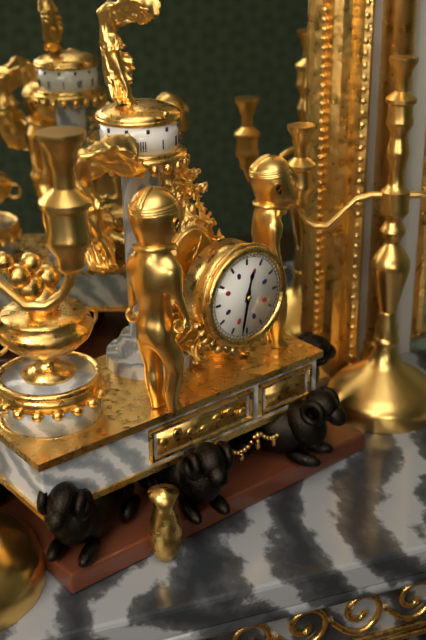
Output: **12:32**
